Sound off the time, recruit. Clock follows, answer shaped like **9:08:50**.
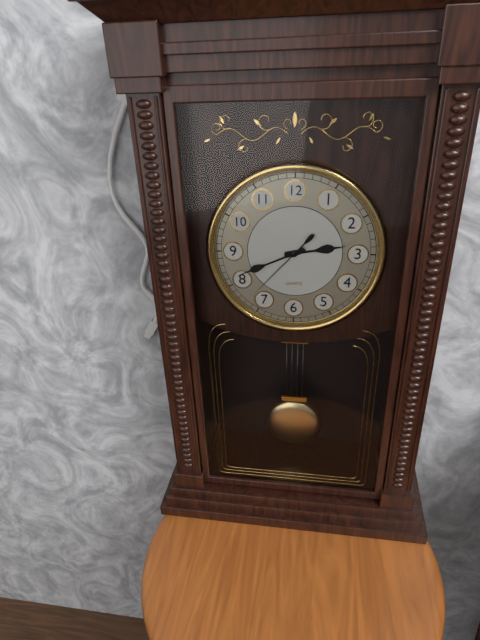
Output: **2:41:37**
